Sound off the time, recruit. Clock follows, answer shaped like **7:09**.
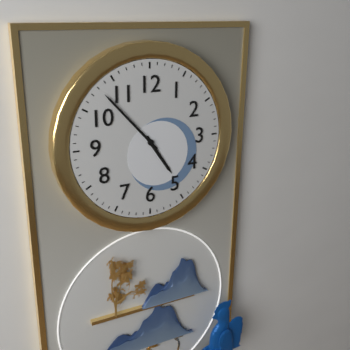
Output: **4:53**
